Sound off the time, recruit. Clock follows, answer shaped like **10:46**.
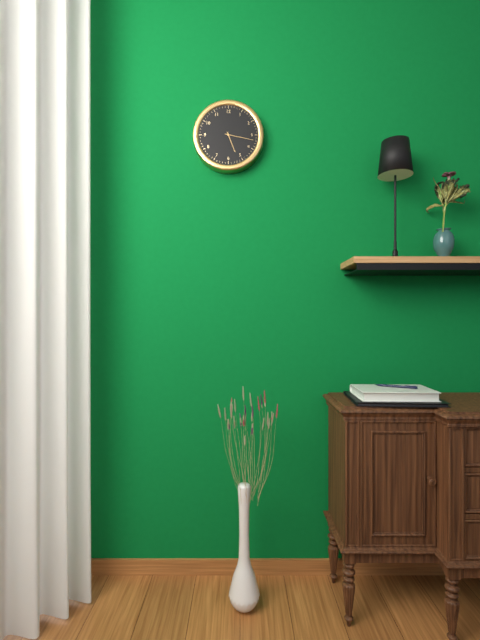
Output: **5:17**
